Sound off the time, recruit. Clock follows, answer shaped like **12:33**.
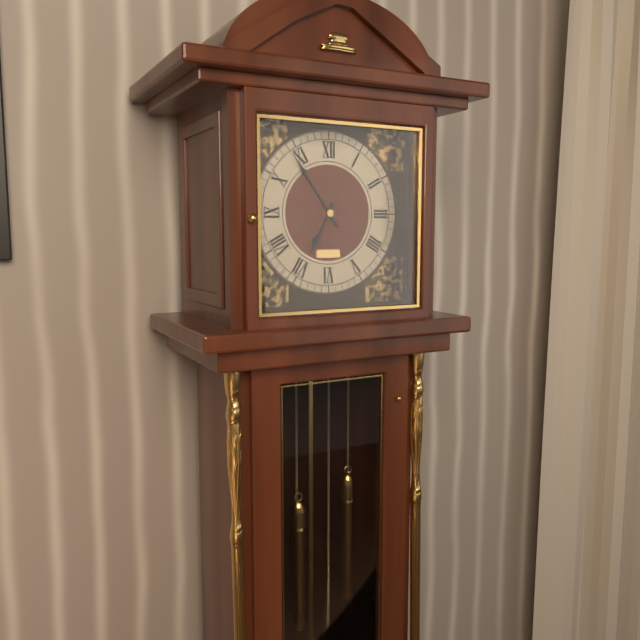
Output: **6:54**
